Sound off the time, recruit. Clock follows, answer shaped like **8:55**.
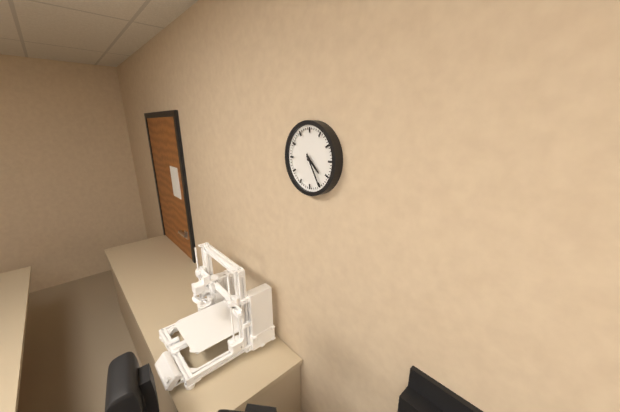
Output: **4:25**
